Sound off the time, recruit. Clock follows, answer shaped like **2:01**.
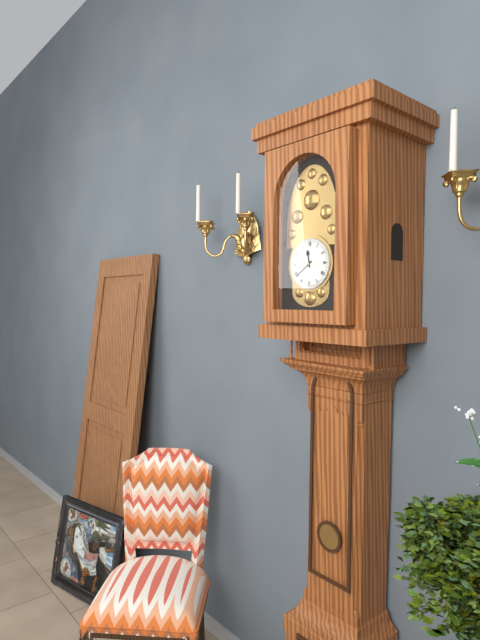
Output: **11:39**
